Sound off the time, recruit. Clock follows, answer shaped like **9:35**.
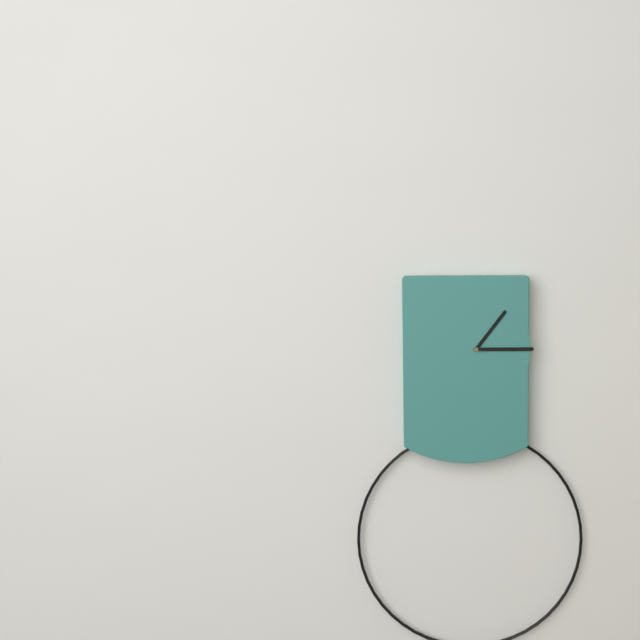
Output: **1:15**
